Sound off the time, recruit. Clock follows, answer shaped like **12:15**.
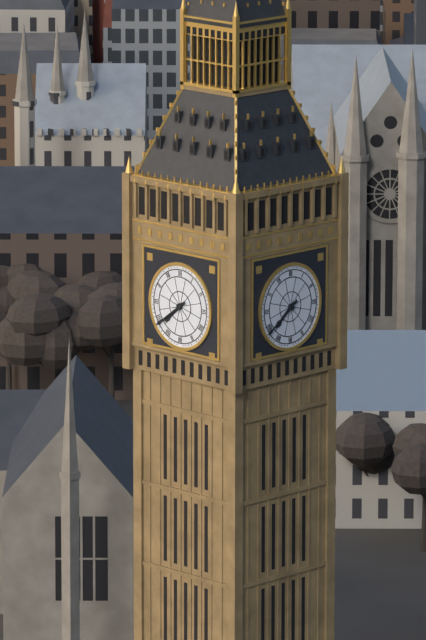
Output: **7:39**
